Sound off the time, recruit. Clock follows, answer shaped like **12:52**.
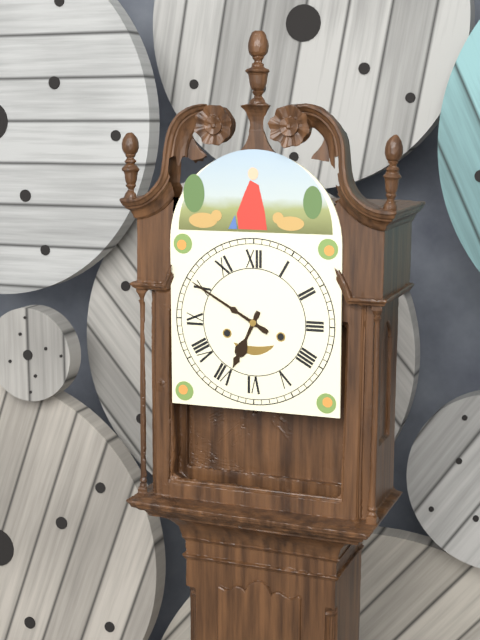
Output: **6:50**
